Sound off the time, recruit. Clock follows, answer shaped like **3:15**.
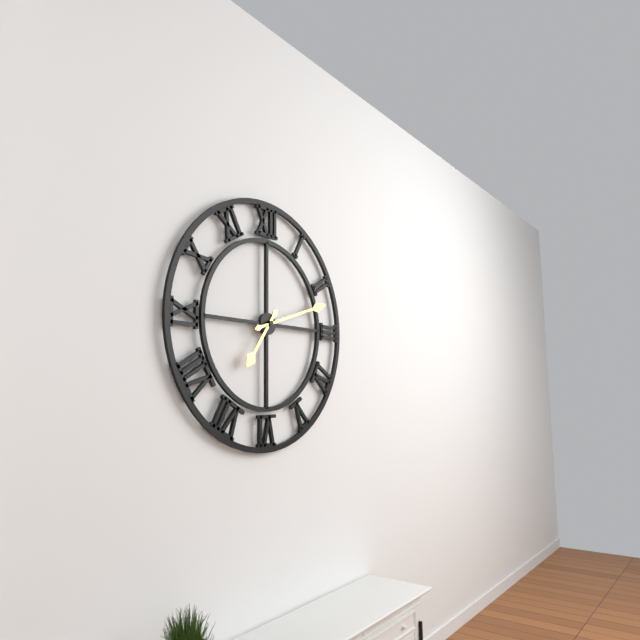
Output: **7:12**
